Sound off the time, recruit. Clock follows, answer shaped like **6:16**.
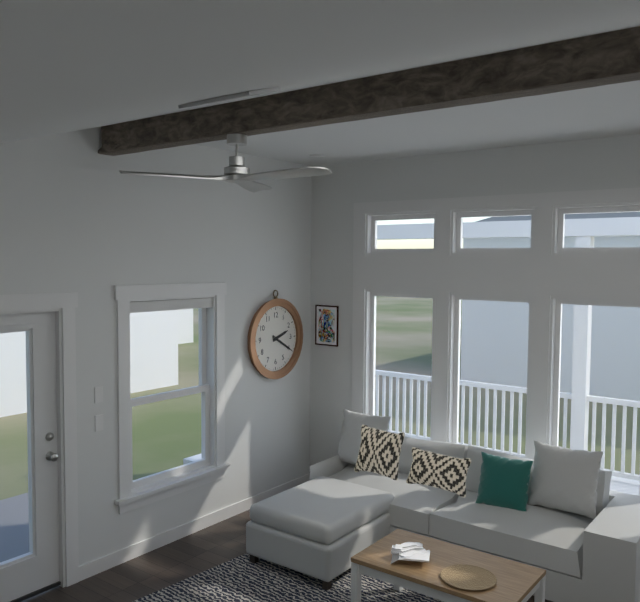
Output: **2:20**
